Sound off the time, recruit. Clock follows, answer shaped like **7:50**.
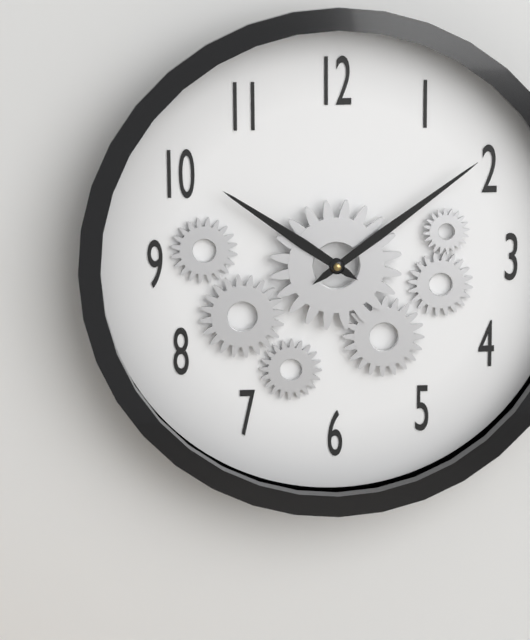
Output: **10:09**
